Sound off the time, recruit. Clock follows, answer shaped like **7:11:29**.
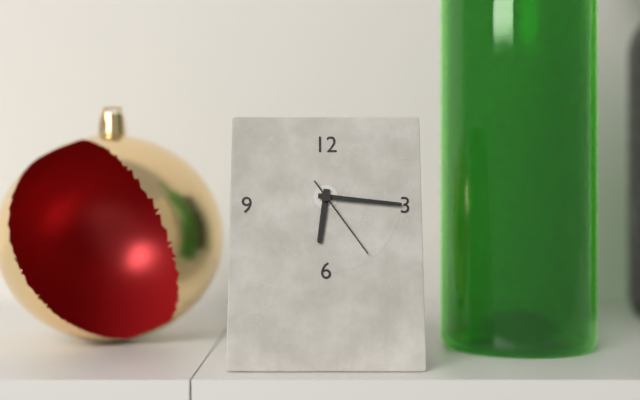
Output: **6:16:24**
